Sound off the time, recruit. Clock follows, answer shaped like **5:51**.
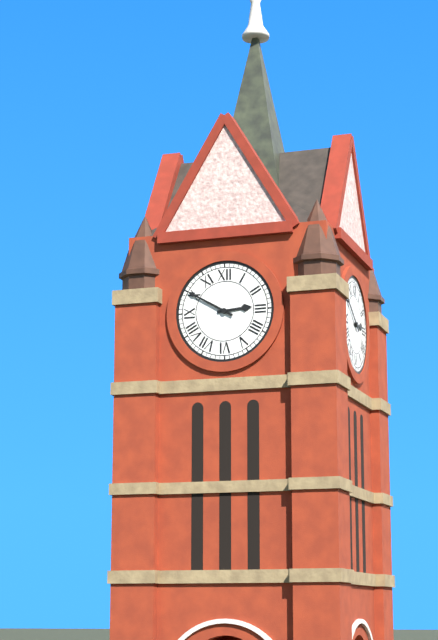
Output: **2:50**
